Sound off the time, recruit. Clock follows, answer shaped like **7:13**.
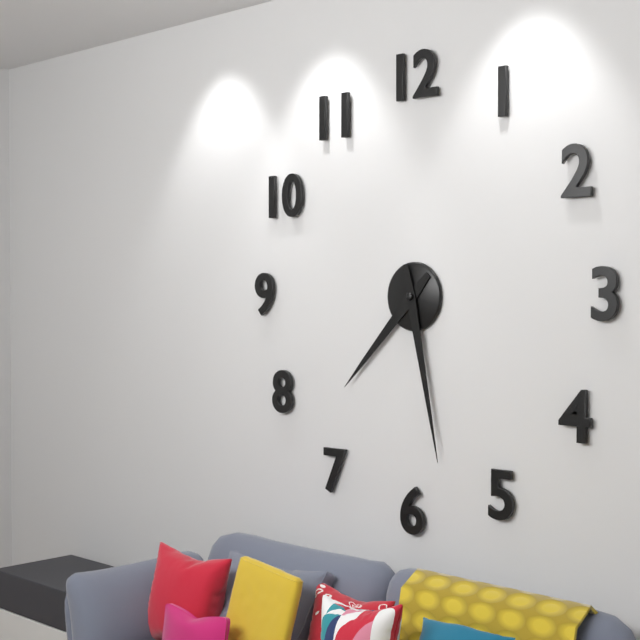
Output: **7:28**
